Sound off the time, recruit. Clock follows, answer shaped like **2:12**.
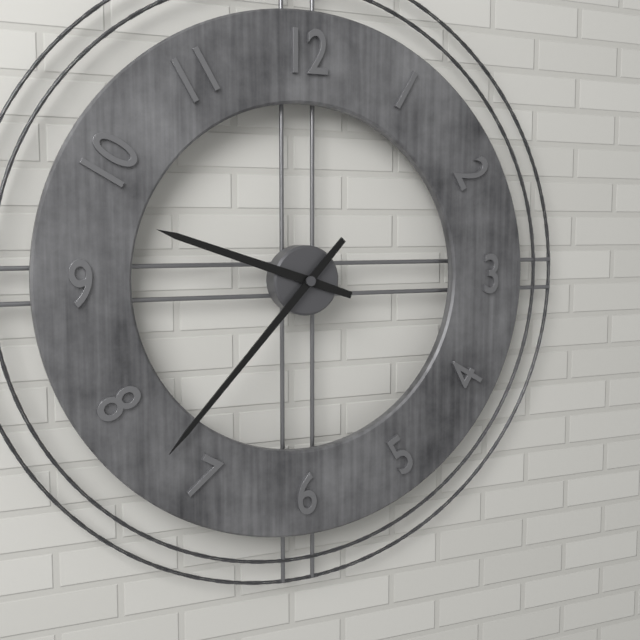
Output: **9:37**
